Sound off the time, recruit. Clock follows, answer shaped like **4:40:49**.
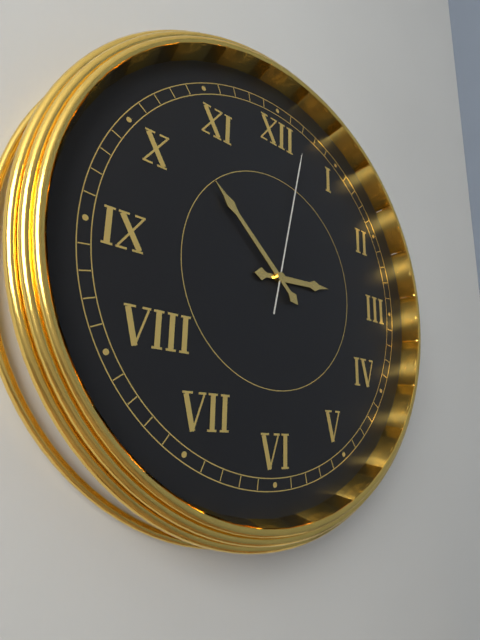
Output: **2:52:02**
